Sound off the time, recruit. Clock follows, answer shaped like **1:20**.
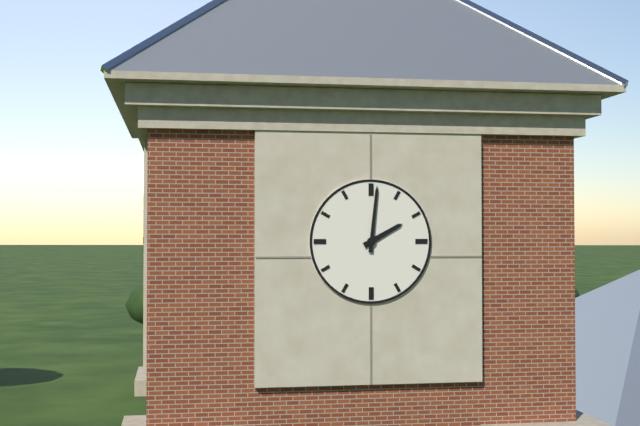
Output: **2:01**
